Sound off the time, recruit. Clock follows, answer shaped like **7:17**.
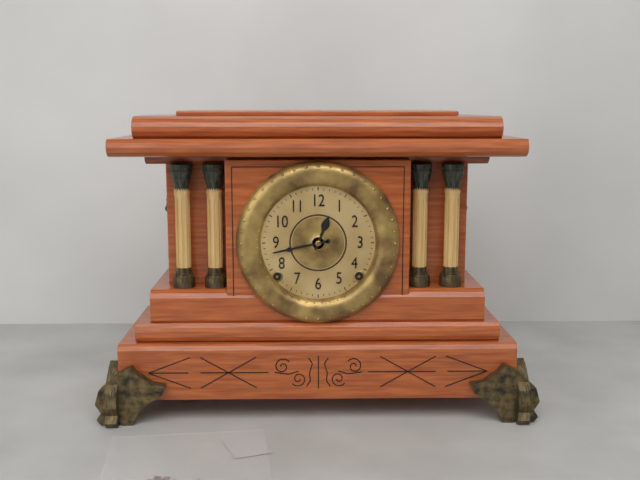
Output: **12:43**
